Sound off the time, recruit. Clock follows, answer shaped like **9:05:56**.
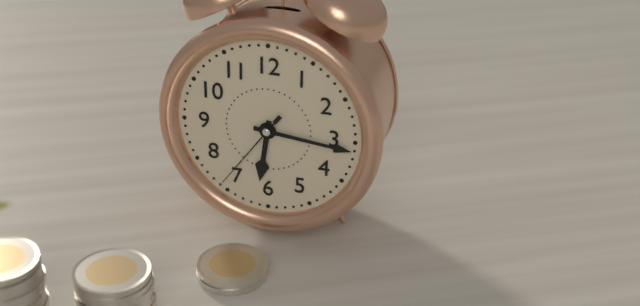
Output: **6:16:36**
